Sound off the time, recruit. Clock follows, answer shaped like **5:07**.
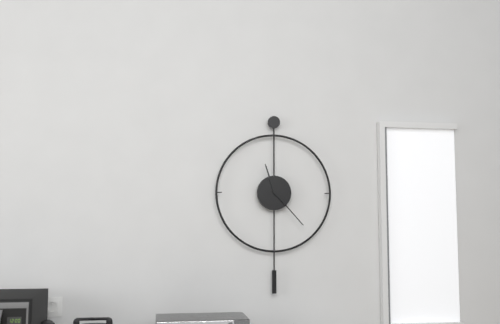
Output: **11:23**
